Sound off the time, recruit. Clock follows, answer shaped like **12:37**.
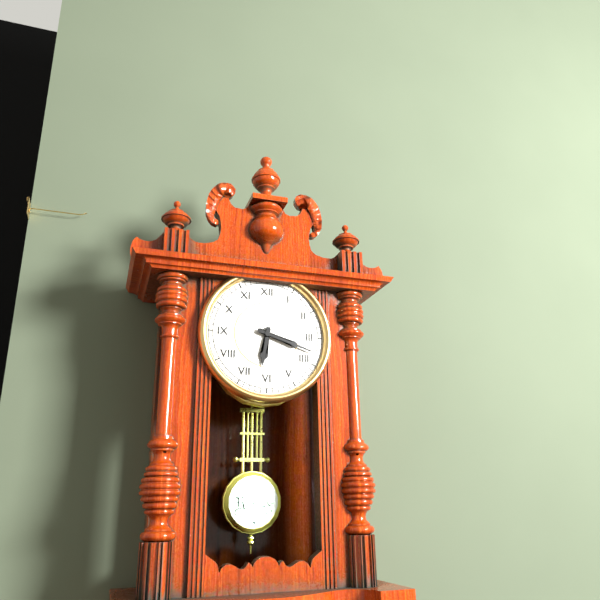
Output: **6:18**
